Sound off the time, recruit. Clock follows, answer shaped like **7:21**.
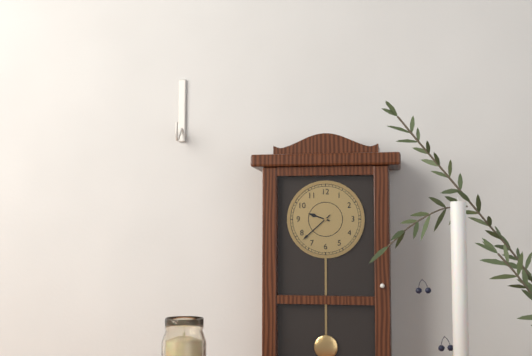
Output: **9:38**
